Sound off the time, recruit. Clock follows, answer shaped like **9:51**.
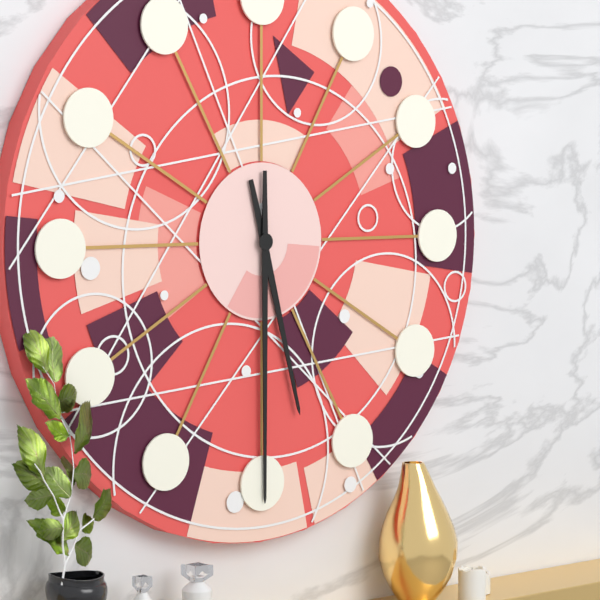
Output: **5:30**
